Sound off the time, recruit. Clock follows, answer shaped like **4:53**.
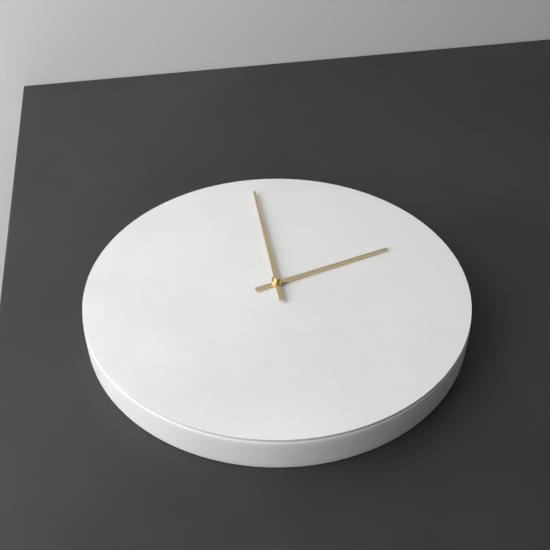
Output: **12:52**
